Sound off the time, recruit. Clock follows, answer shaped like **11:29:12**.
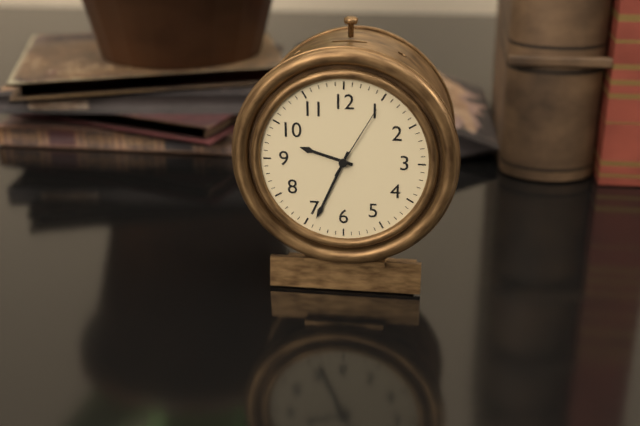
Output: **9:34:05**
